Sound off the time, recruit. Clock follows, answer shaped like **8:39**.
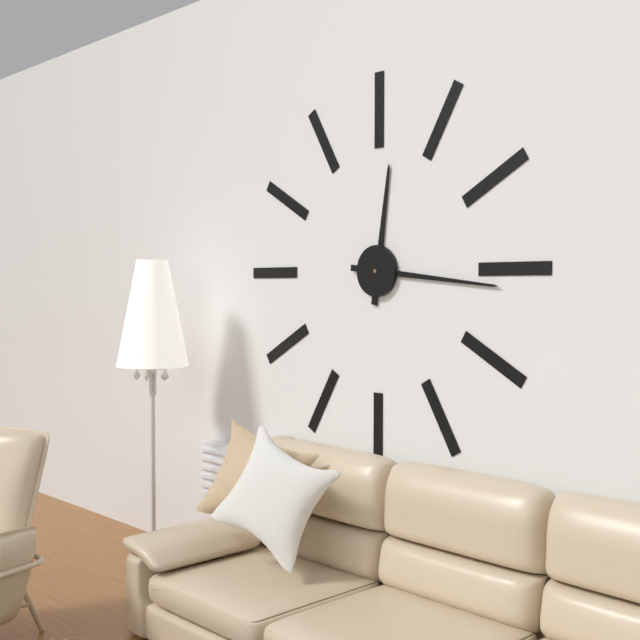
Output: **12:16**
